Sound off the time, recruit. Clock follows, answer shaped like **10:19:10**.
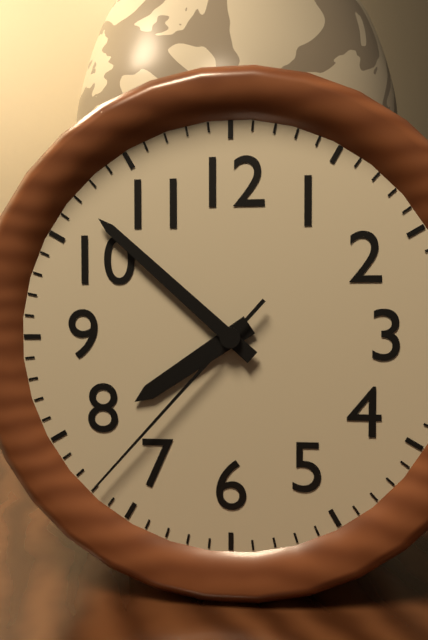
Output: **7:52:37**
